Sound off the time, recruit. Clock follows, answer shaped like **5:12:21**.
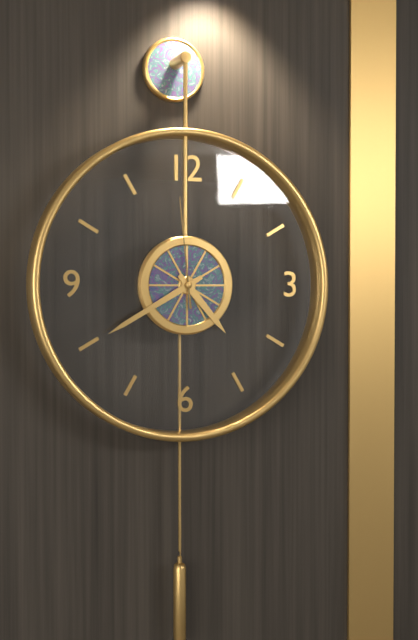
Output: **4:40:59**
